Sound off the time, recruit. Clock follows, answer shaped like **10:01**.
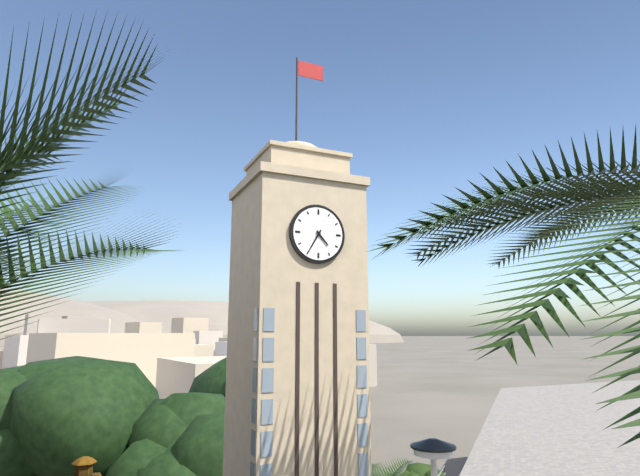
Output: **4:35**
